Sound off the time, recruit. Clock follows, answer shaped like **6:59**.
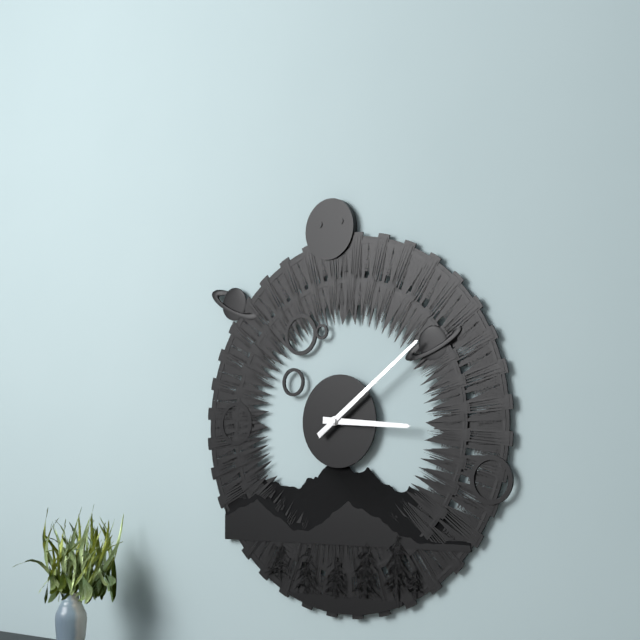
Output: **3:09**
